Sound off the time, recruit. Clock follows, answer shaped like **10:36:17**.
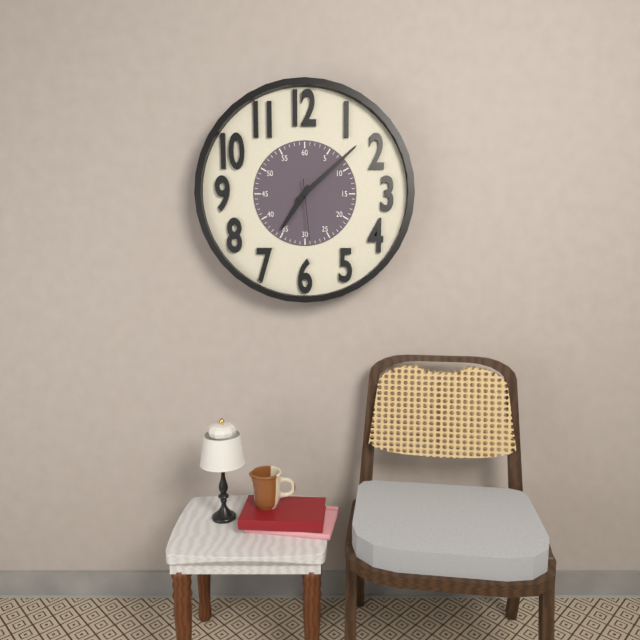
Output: **7:08:29**
